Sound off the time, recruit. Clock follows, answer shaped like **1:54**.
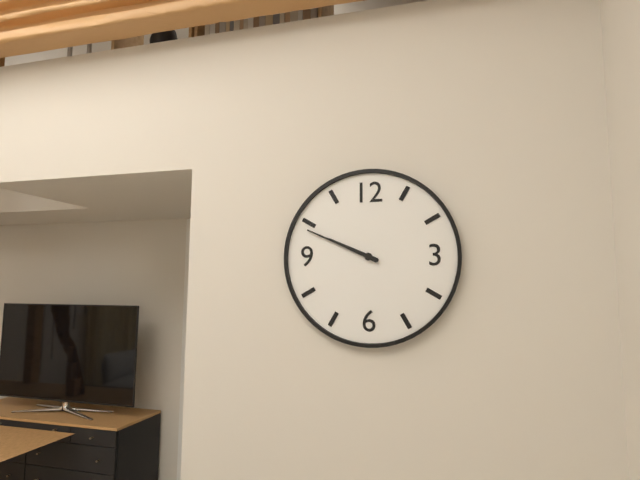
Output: **9:49**
